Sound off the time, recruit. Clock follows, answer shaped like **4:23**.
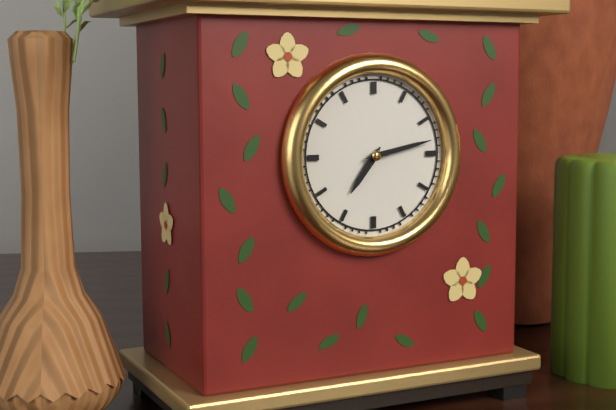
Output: **7:13**
